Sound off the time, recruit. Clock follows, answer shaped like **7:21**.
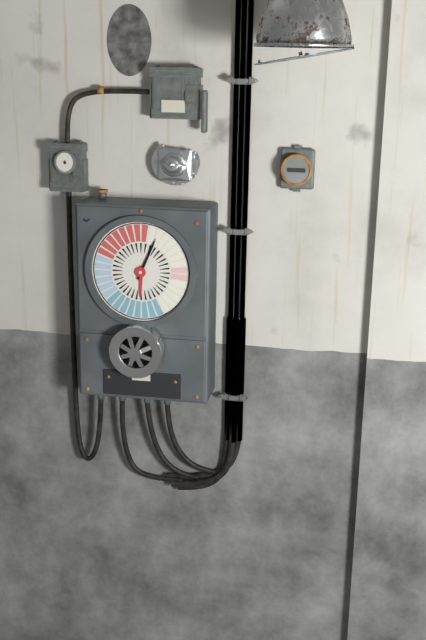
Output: **6:04**
